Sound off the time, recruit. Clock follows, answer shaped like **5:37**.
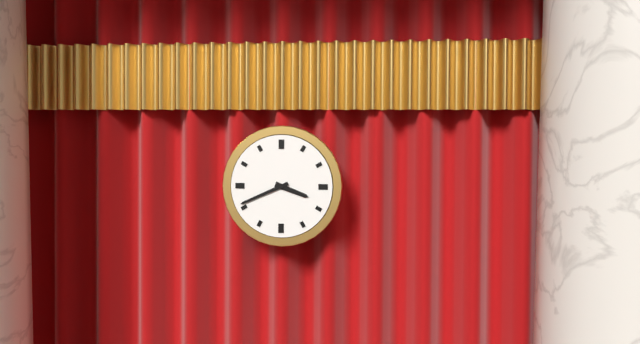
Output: **3:41**
